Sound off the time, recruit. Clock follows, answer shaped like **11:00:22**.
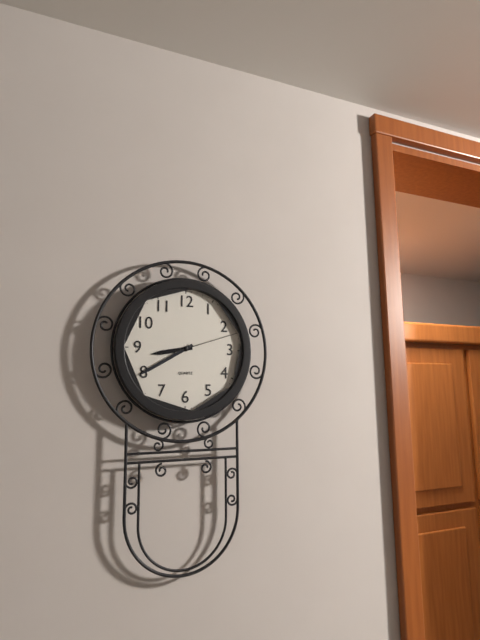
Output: **8:40:12**
